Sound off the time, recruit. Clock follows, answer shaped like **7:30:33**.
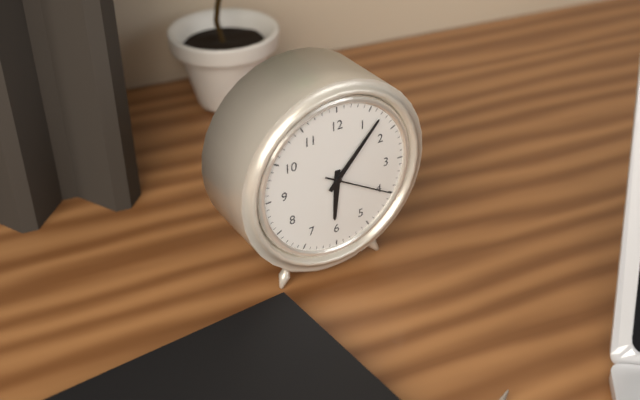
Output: **6:07:20**
